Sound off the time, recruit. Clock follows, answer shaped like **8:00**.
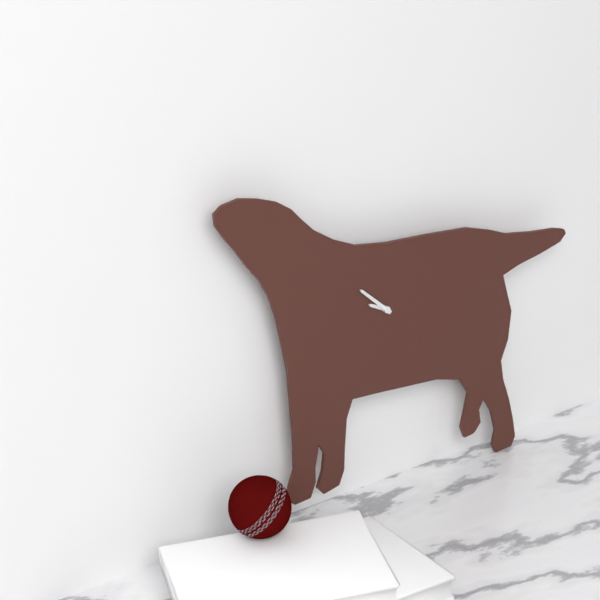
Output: **9:52**
